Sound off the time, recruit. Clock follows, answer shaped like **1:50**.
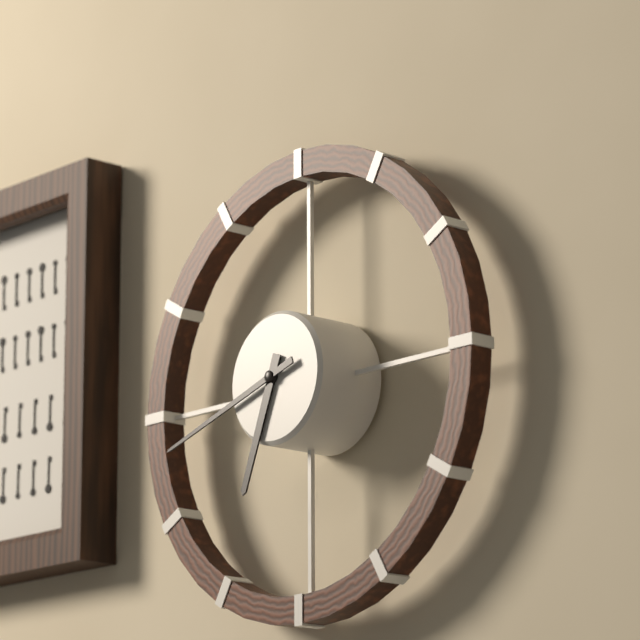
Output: **6:42**
